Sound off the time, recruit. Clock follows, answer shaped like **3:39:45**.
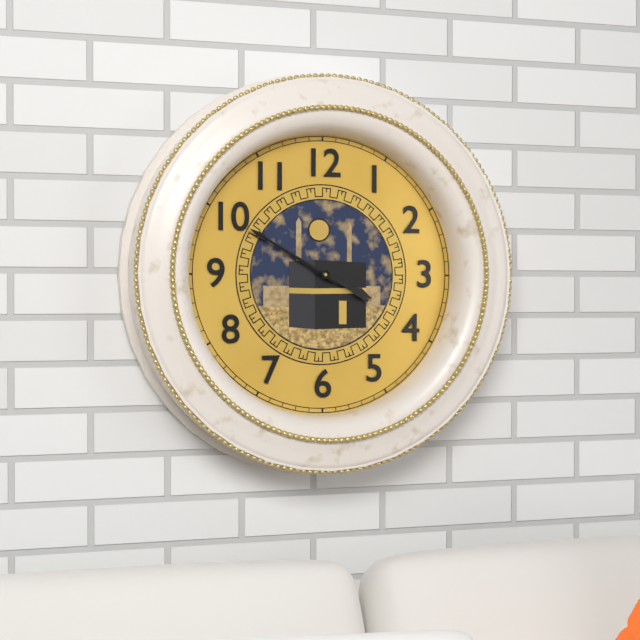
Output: **3:50:50**
